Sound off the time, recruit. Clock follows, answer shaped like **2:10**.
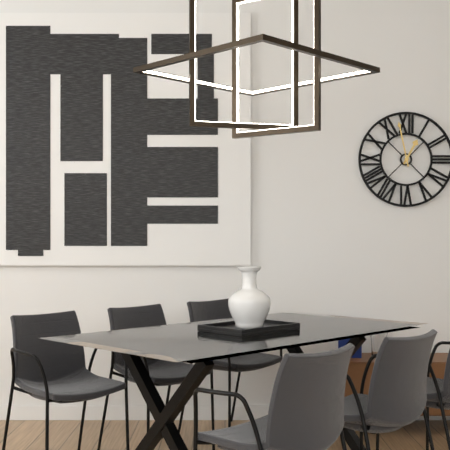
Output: **12:58**
